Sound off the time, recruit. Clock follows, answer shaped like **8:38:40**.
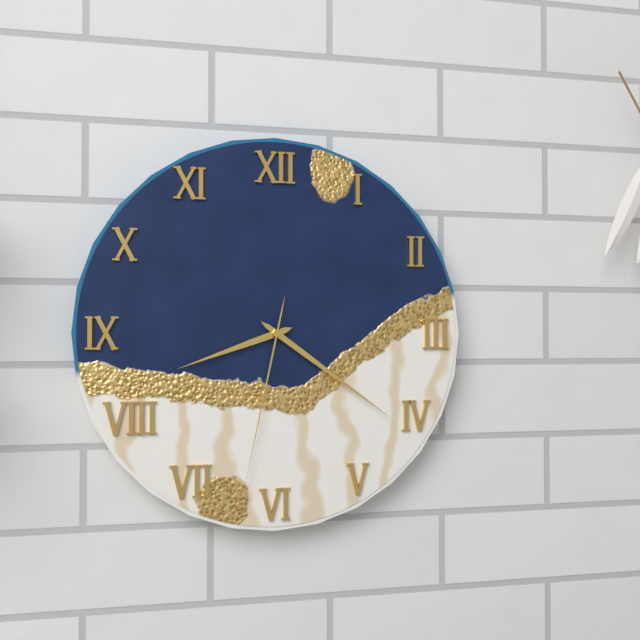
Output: **8:21:32**
